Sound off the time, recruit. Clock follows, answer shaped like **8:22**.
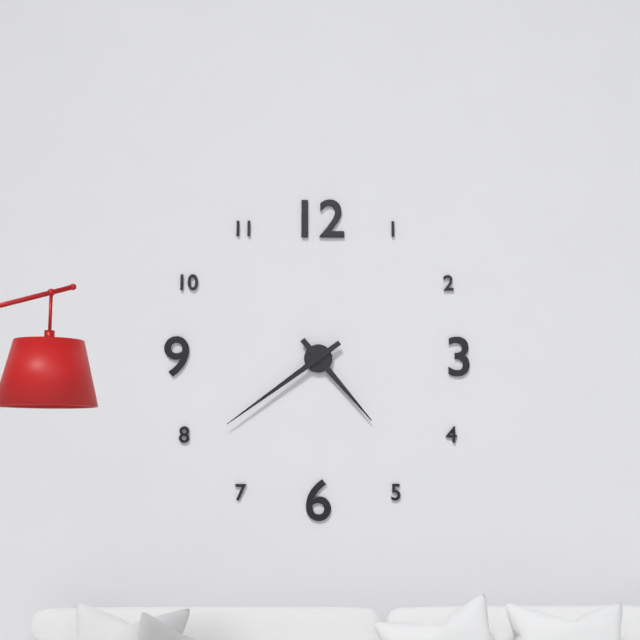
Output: **4:39**
